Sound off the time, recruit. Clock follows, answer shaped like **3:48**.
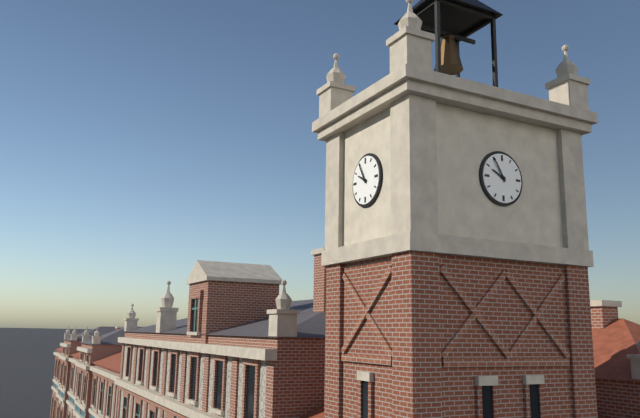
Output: **9:55**
